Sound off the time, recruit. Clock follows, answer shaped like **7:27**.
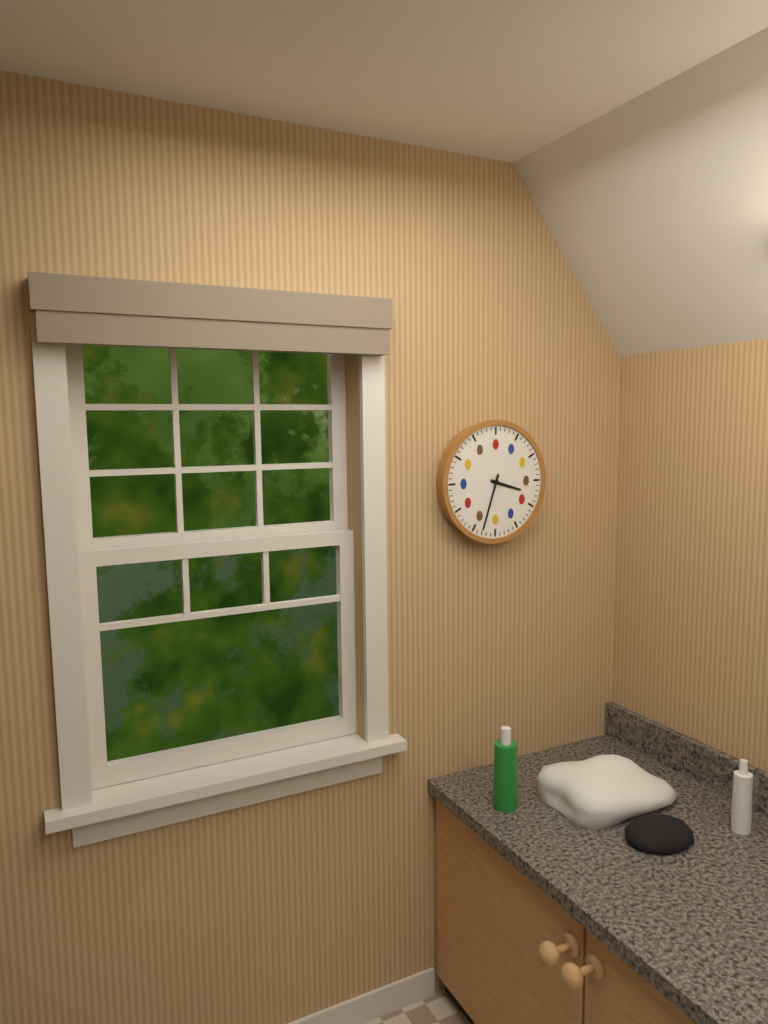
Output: **3:33**
